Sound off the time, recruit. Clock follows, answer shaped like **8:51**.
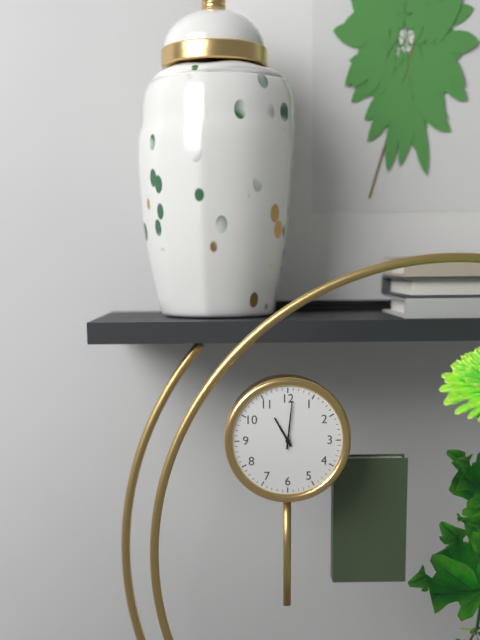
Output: **11:01**
